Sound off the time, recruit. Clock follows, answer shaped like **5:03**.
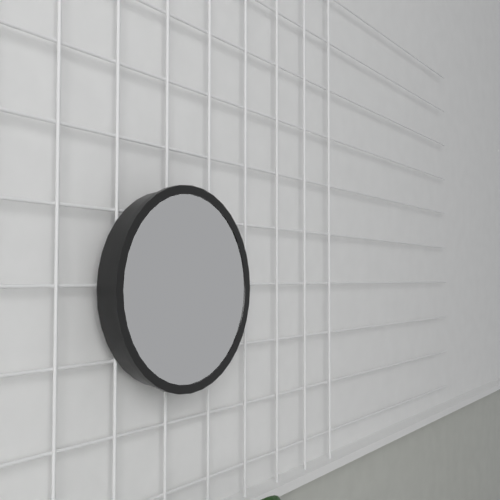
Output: **1:09**
